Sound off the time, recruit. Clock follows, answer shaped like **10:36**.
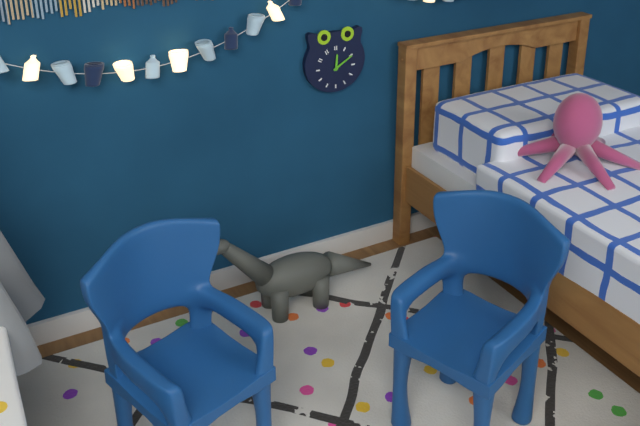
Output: **12:10**
